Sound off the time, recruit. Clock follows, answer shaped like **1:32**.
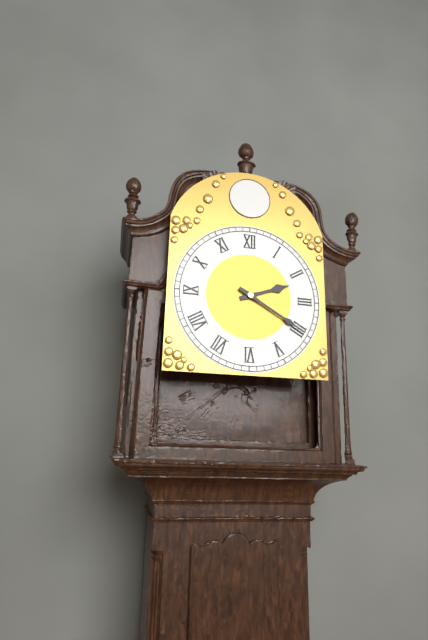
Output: **2:20**
